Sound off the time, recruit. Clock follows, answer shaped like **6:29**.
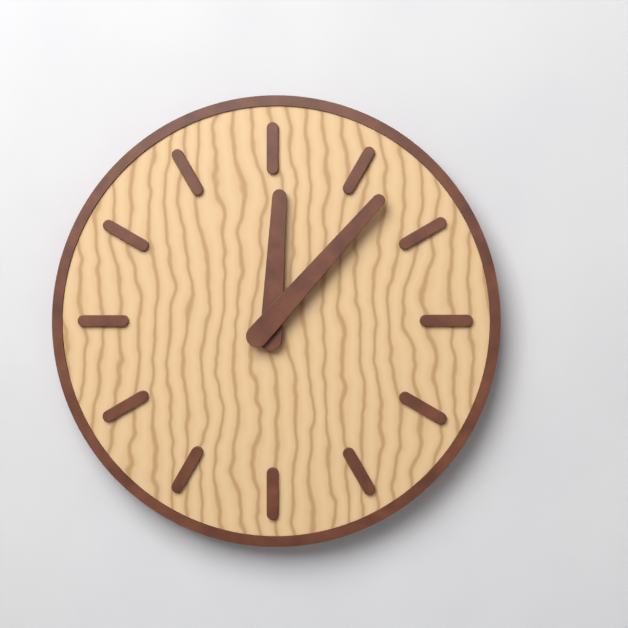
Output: **12:07**
